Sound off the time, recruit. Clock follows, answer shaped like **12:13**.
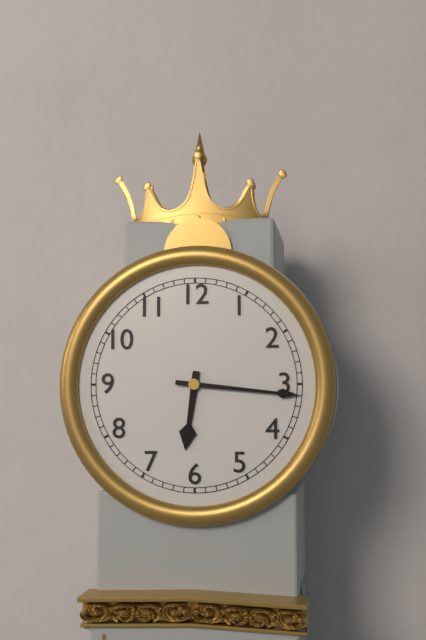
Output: **6:16**
